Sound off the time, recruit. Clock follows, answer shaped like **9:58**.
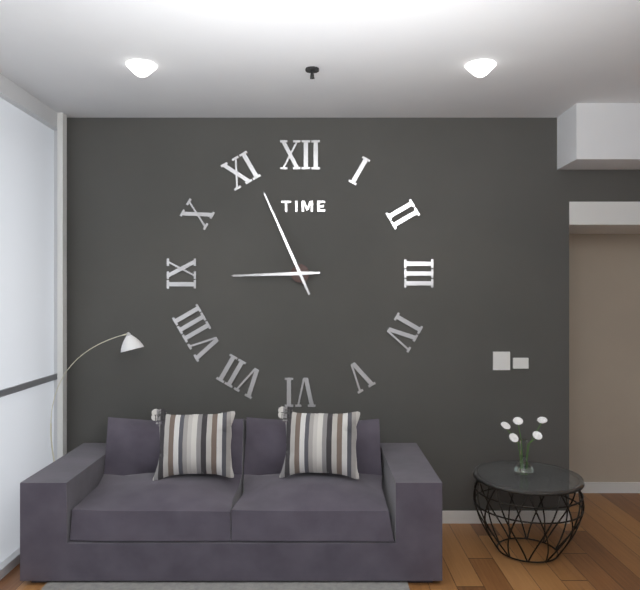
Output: **8:56**
